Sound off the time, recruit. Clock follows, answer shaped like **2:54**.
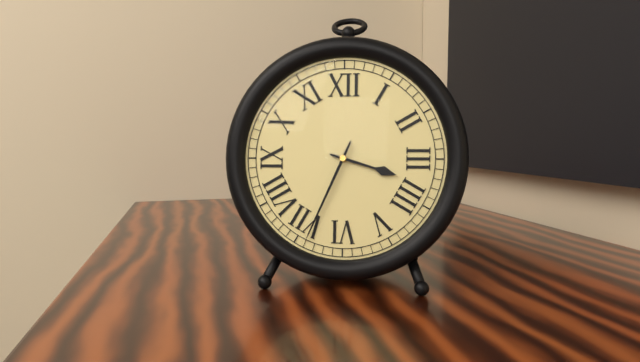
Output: **3:34**
